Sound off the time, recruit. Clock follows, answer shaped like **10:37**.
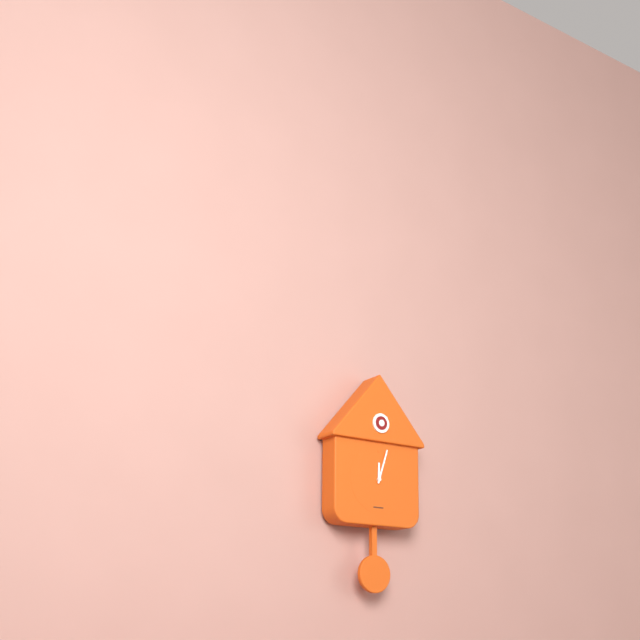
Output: **12:03**
